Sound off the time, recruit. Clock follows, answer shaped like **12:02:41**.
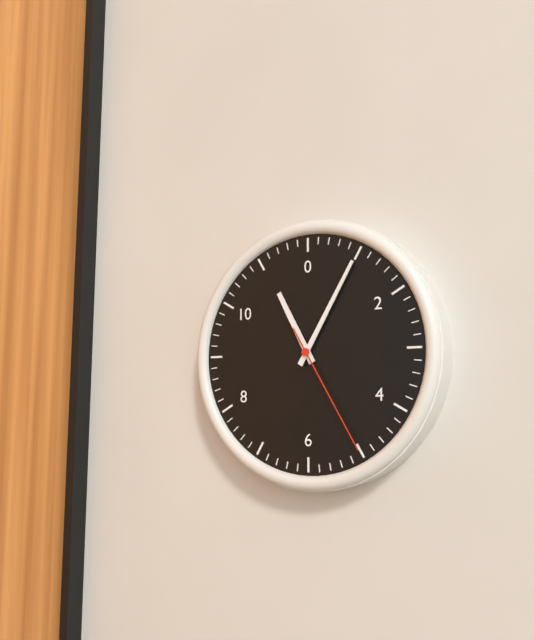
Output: **11:05:25**
